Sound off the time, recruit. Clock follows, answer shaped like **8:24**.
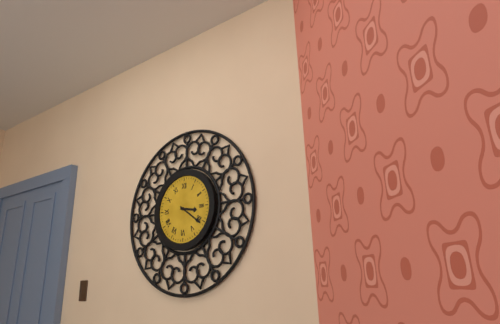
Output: **3:21**
